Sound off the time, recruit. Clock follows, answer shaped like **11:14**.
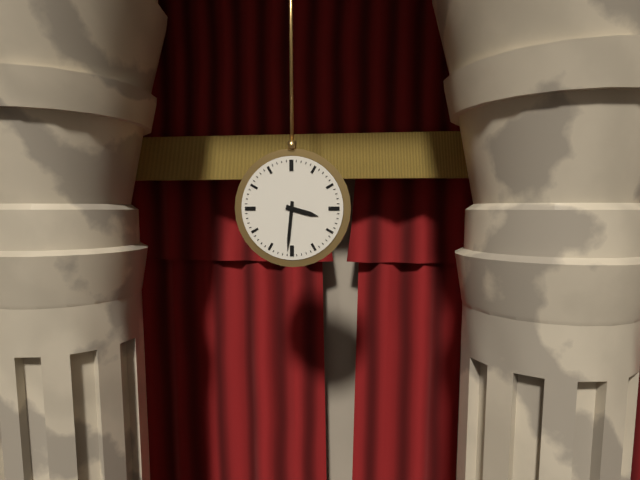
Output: **3:31**
